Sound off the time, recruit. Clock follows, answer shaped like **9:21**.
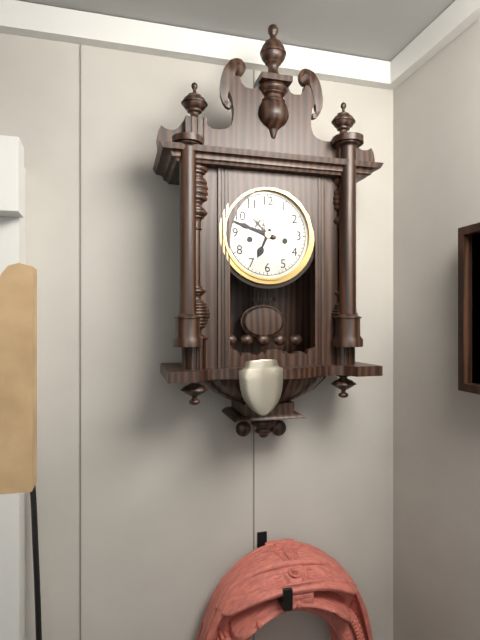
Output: **6:48**
